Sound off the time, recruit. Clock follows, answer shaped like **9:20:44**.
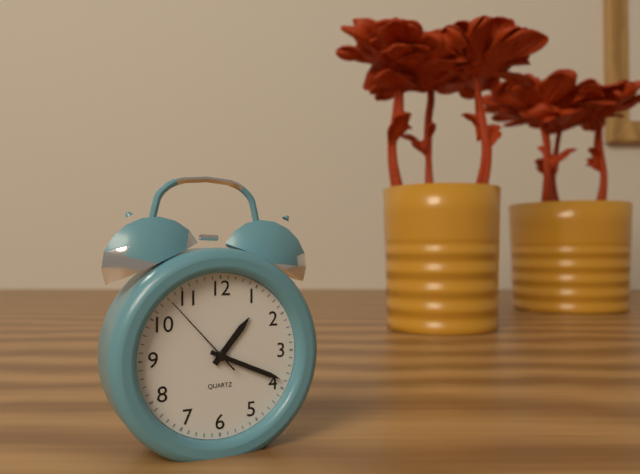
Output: **1:19:53**
